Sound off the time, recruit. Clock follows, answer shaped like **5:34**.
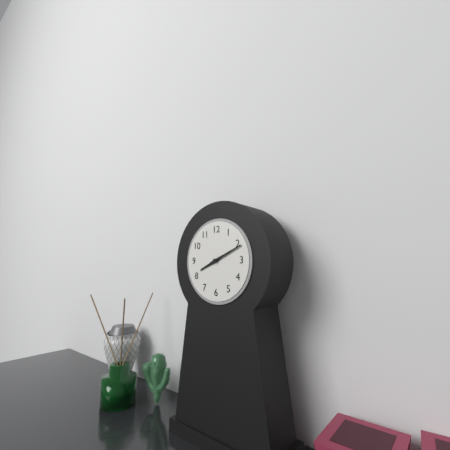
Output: **8:11**
